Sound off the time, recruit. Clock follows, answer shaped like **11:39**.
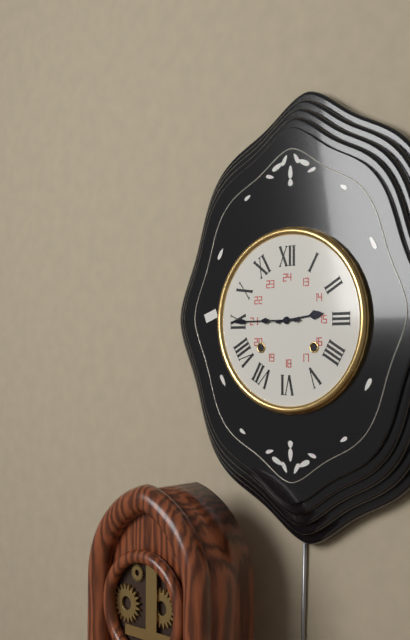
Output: **2:45**
